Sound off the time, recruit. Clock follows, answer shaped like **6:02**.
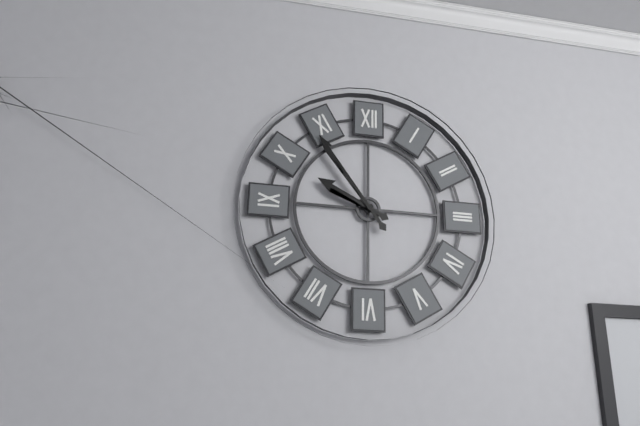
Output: **9:54**
